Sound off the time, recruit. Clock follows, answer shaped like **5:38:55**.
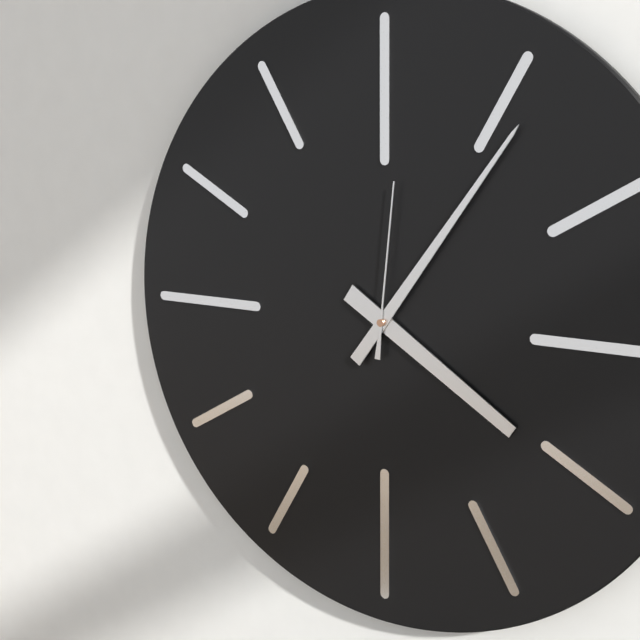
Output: **4:06:01**
